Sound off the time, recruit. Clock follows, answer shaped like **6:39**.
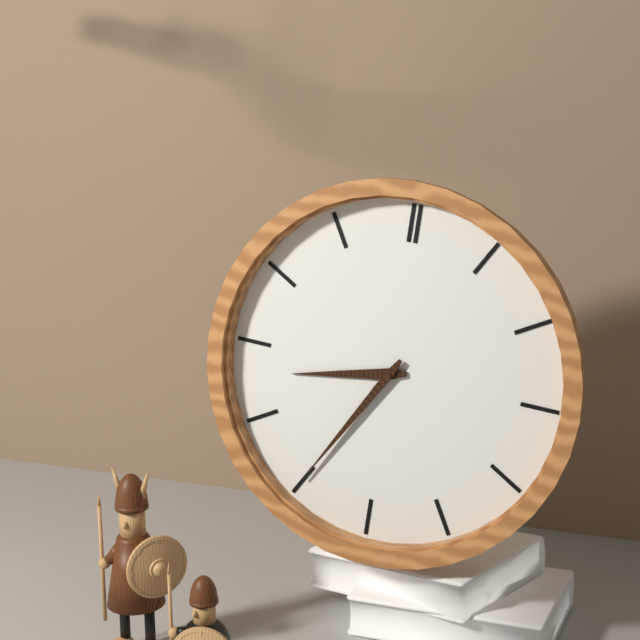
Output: **8:35**
